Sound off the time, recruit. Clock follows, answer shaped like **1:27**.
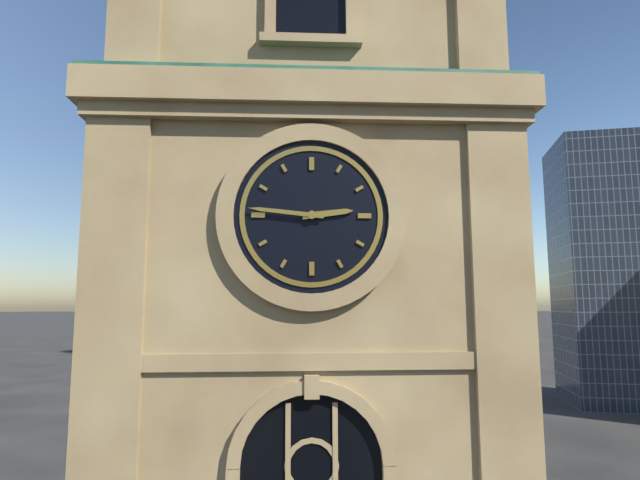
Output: **2:46**
